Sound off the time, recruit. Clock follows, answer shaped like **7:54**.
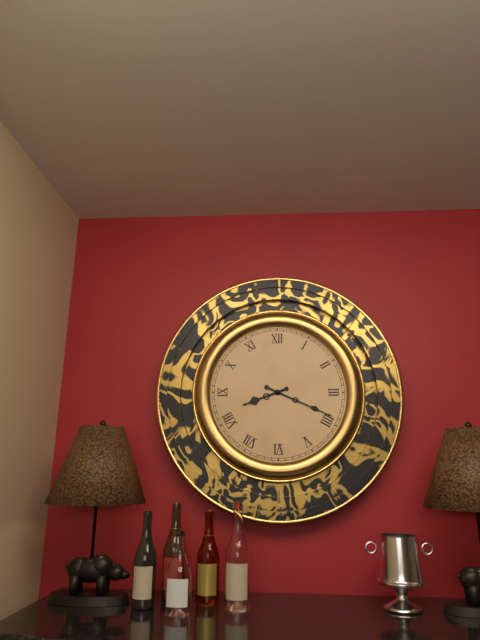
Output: **8:19**
